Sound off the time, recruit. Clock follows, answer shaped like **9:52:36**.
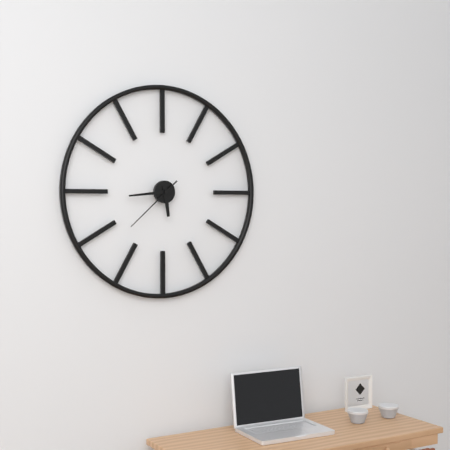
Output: **5:44:38**
